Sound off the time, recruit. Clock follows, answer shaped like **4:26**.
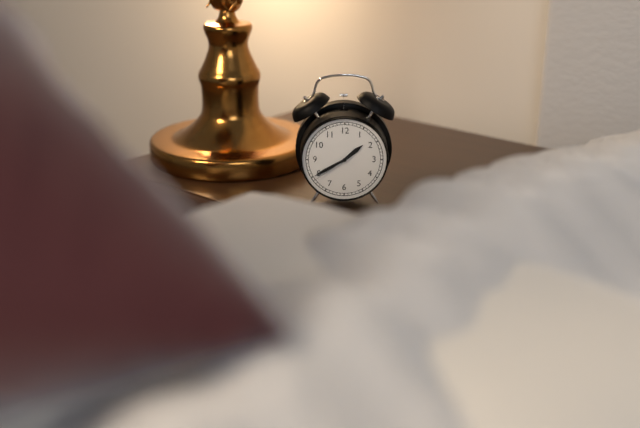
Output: **1:40**
